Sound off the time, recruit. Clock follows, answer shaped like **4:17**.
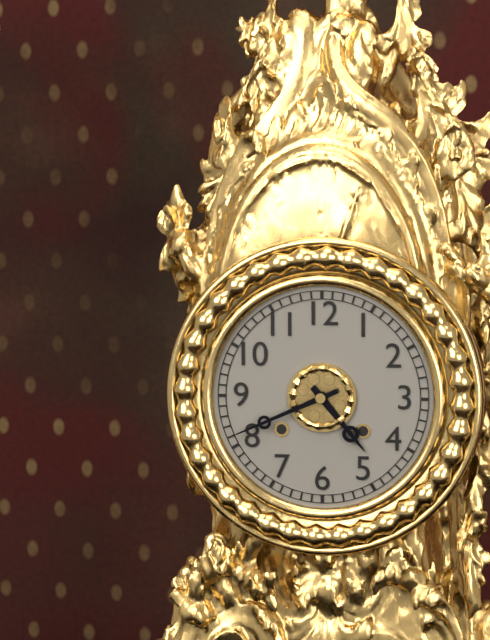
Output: **4:41**
